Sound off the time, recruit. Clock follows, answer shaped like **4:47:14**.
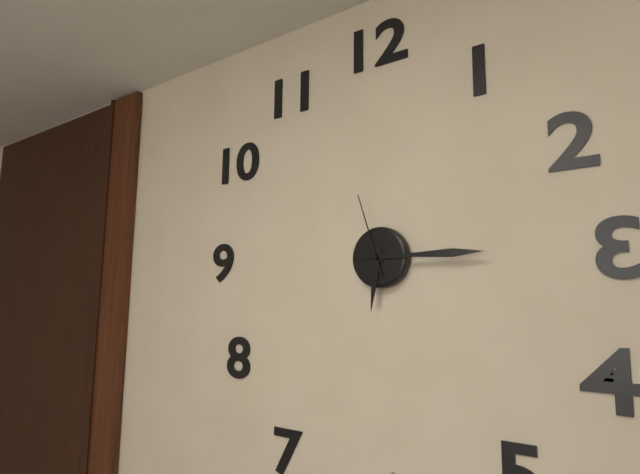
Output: **6:15:57**
